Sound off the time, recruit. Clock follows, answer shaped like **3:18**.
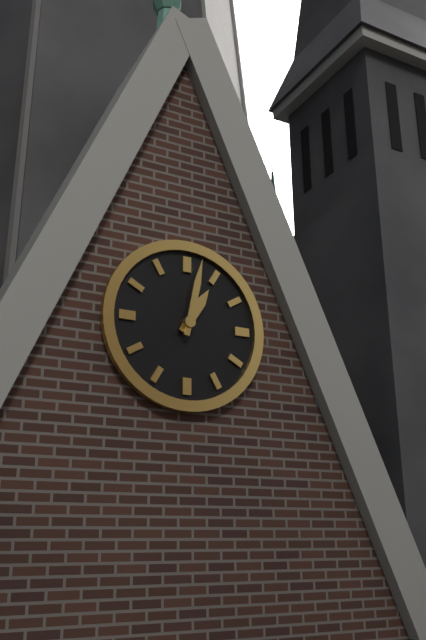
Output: **1:02**
